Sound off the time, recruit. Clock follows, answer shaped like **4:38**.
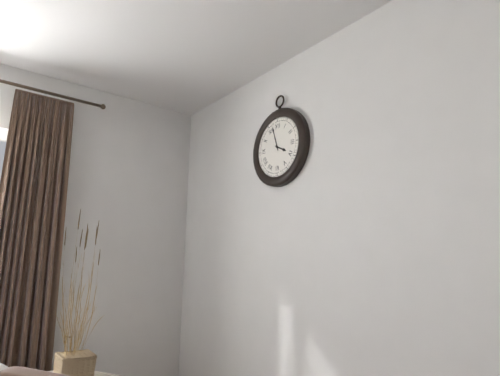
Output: **3:57**
